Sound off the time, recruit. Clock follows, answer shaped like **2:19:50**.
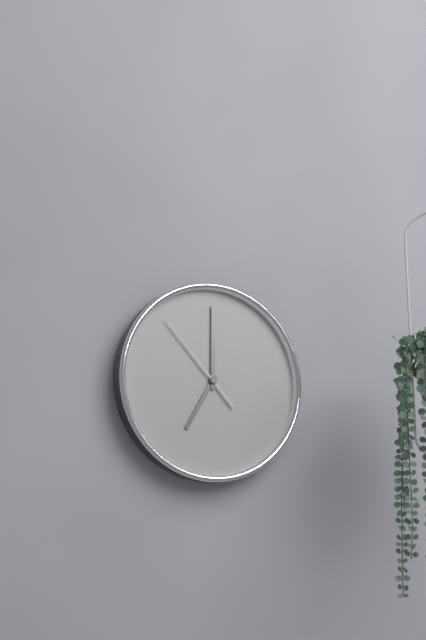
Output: **7:00:53**
